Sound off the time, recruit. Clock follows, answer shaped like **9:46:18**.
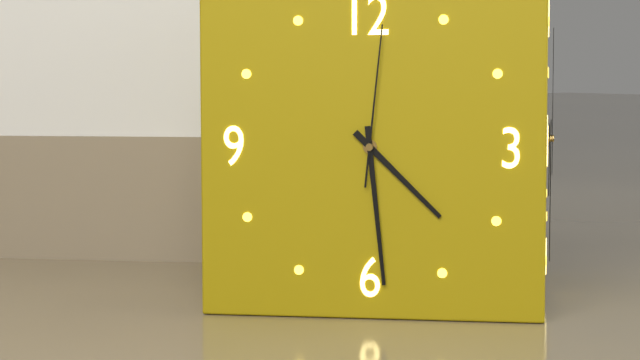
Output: **4:29:01**
